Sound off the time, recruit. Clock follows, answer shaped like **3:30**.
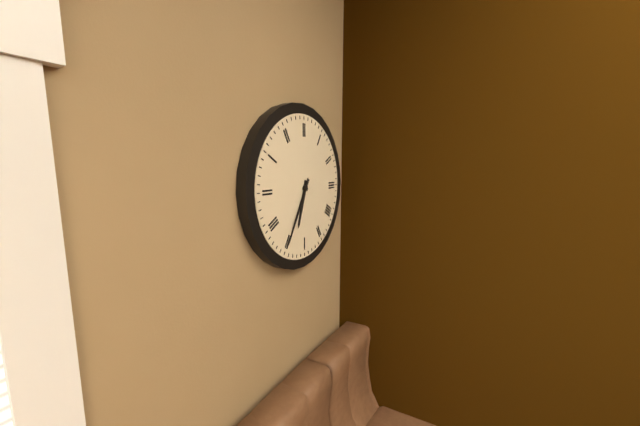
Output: **6:35**
